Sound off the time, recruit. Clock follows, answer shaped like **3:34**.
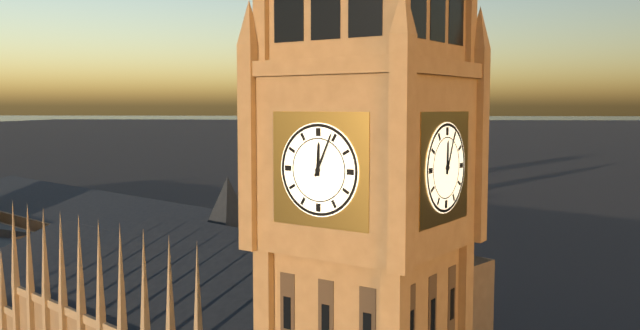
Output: **12:04**
